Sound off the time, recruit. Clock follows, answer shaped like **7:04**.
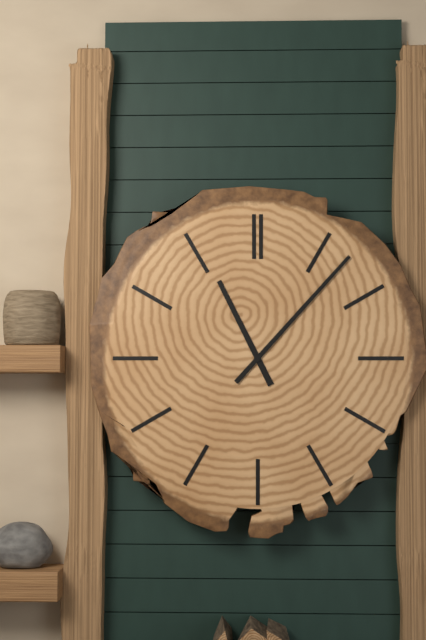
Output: **11:07**
